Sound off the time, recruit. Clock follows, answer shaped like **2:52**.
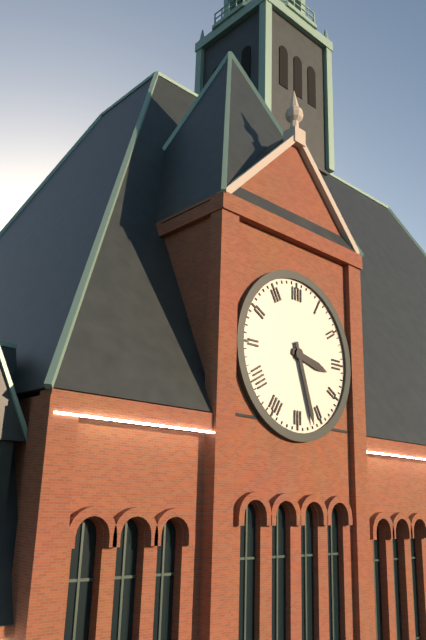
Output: **3:27**
